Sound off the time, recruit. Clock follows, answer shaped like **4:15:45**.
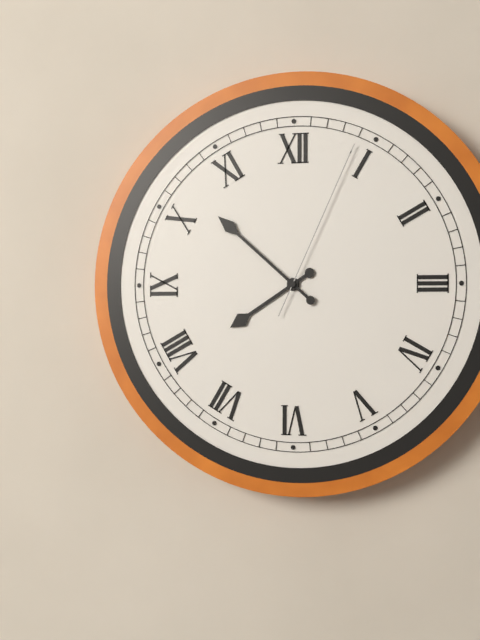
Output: **7:52:04**
